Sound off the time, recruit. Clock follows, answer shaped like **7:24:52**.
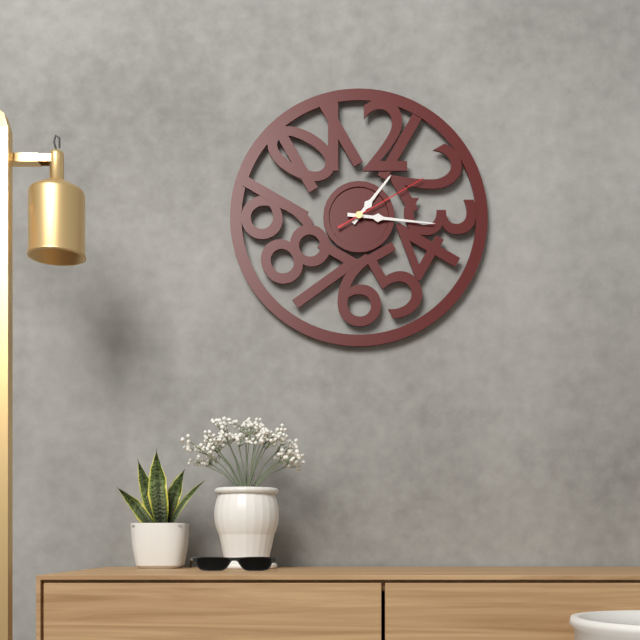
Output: **1:16:10**
